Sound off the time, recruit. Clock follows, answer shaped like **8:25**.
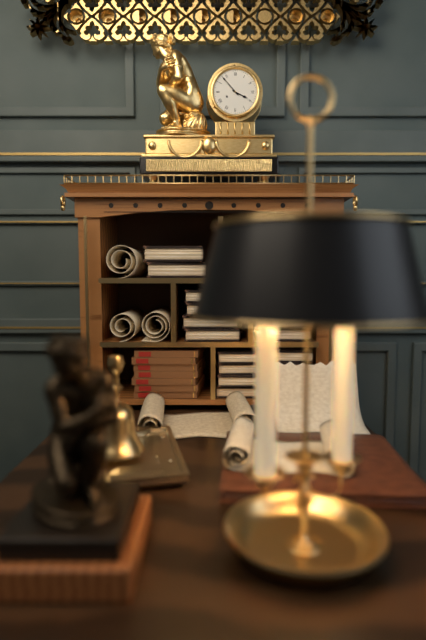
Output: **3:53**
